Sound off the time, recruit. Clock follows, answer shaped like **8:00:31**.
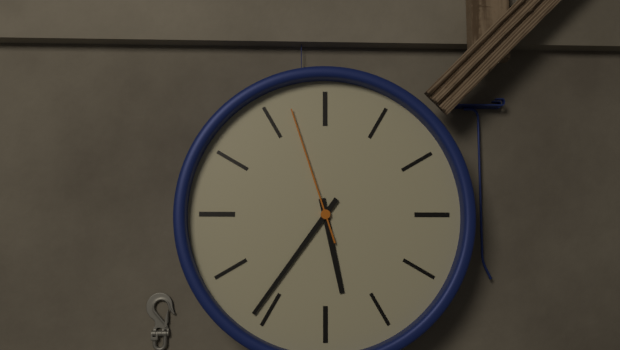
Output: **5:36:57**
